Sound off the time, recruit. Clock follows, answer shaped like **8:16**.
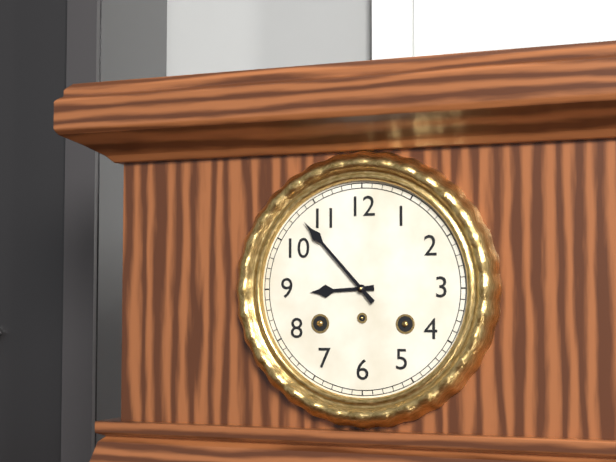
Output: **8:53**
